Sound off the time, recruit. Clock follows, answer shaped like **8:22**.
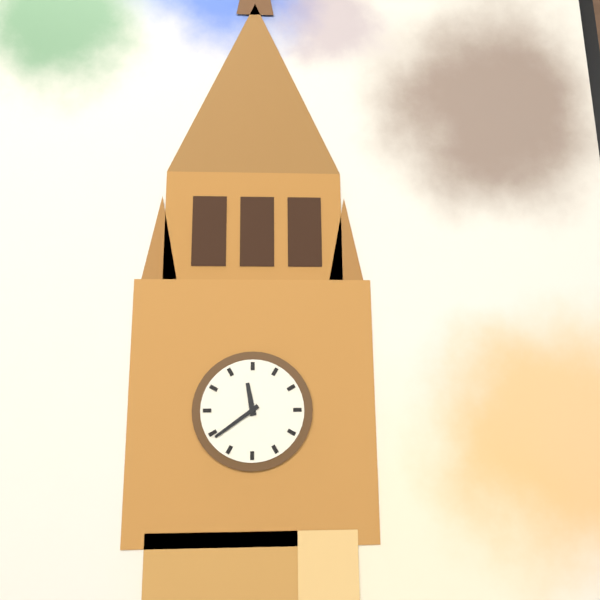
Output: **11:39**
